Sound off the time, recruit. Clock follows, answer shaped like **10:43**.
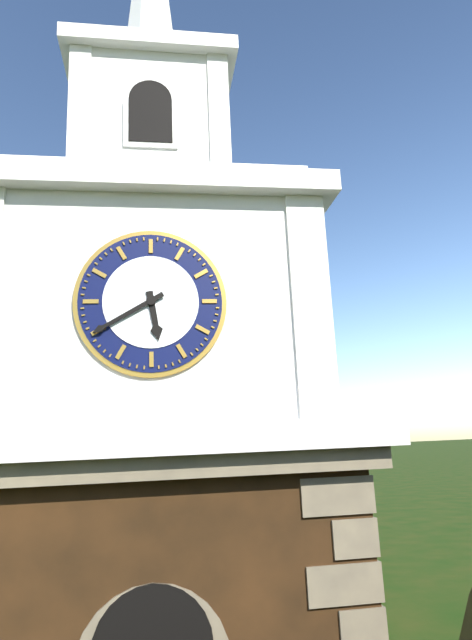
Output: **5:40**
